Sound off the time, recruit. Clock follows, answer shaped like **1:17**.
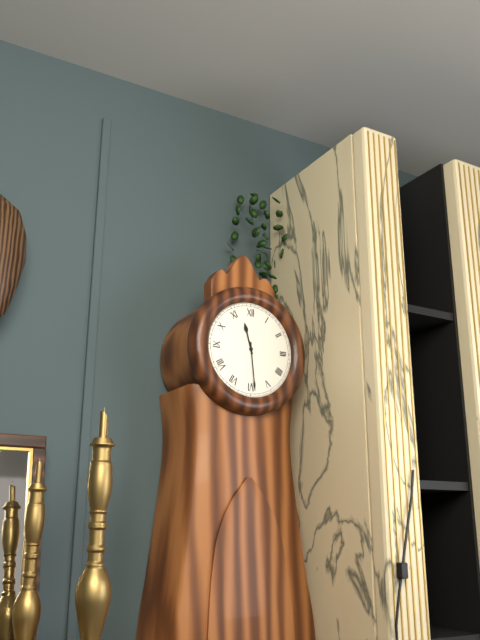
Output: **11:29**
